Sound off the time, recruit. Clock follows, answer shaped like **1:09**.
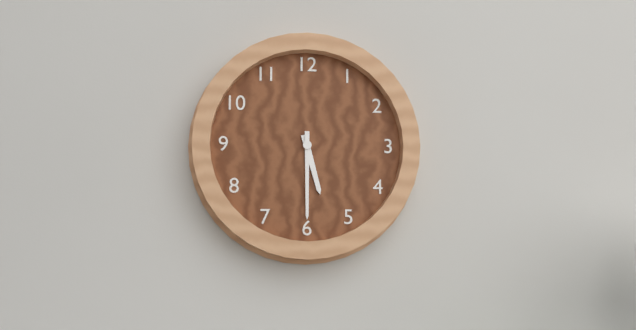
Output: **5:30**
